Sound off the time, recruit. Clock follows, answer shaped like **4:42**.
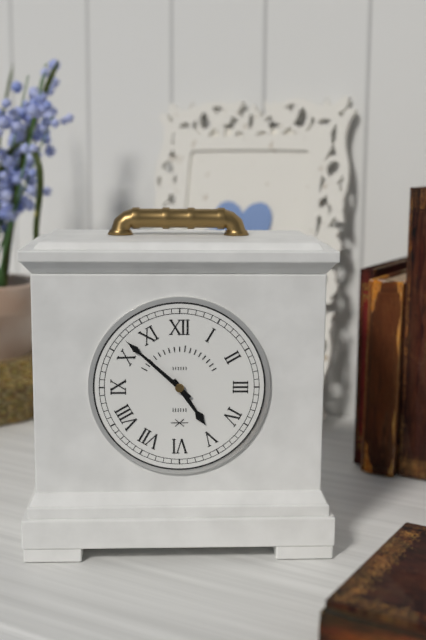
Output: **4:52**
